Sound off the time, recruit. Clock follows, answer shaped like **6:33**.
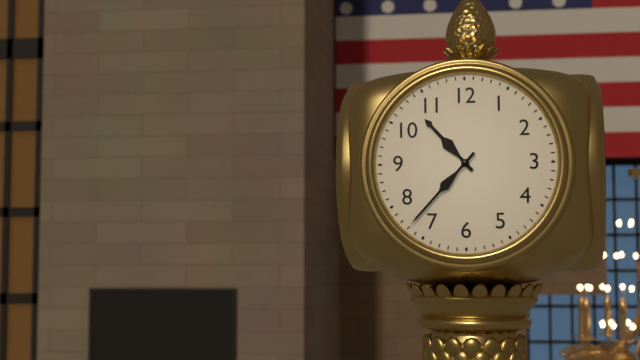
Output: **10:37**
